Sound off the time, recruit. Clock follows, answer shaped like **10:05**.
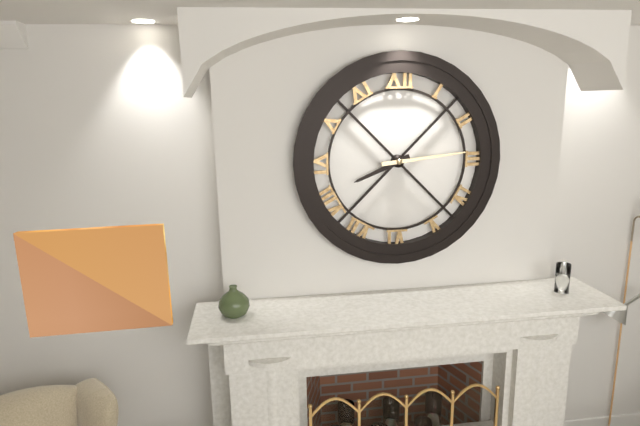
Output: **8:14**
